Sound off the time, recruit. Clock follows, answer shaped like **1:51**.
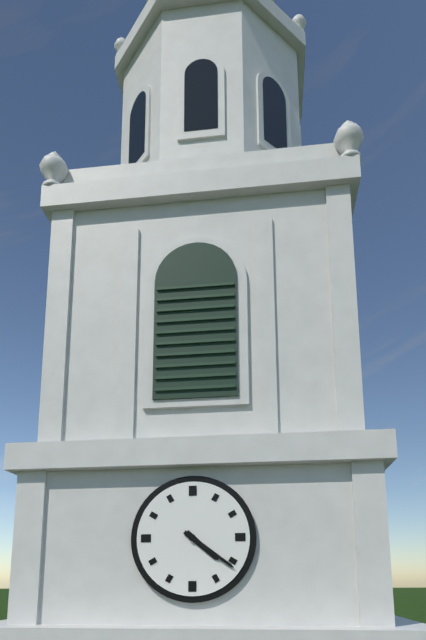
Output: **4:21**
